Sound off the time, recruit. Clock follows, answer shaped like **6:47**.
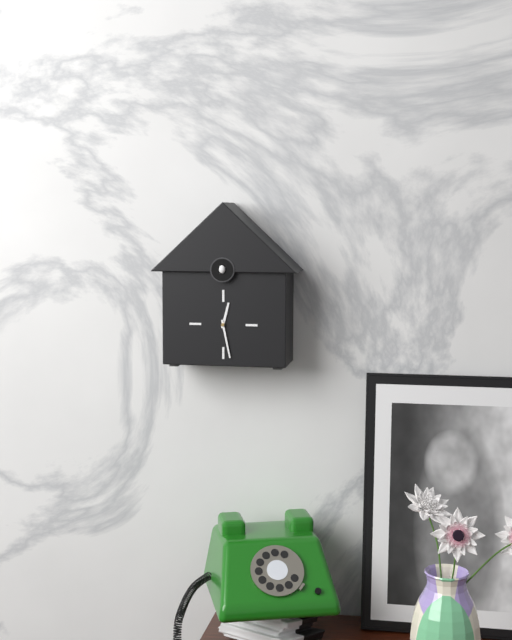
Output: **12:28**
